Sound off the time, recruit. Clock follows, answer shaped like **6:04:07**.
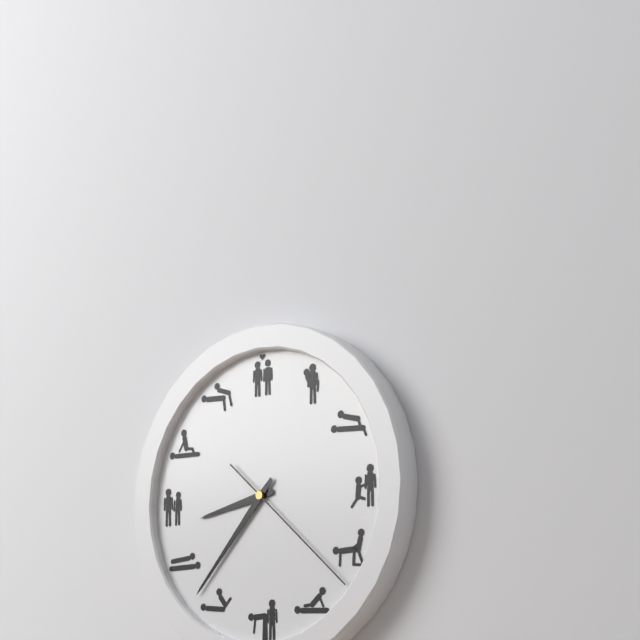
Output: **8:37:22**
